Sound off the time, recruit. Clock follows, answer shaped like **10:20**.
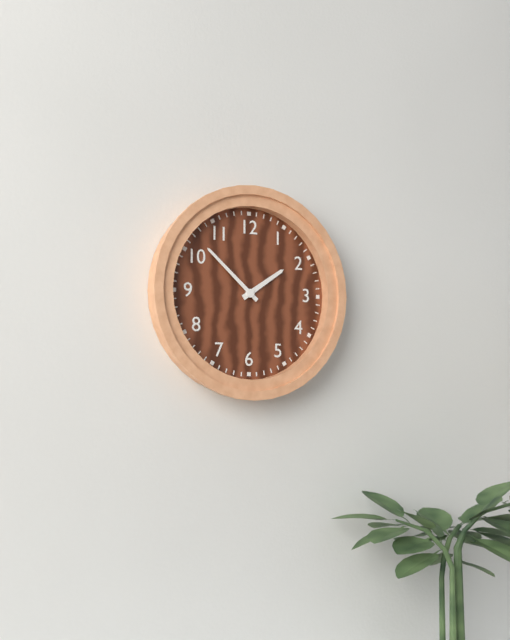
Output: **1:52**
